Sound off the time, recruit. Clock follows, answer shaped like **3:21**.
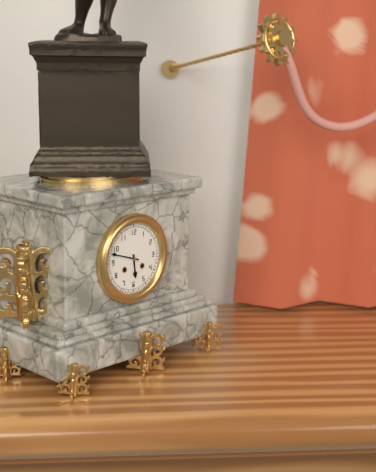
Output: **5:48**
